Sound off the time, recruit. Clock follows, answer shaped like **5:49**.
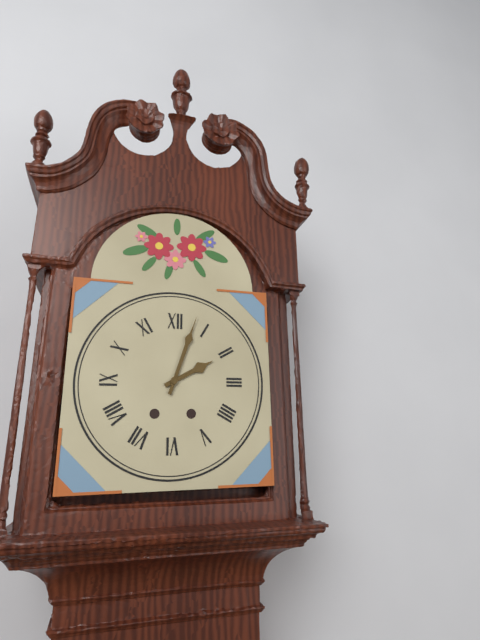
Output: **2:03**
